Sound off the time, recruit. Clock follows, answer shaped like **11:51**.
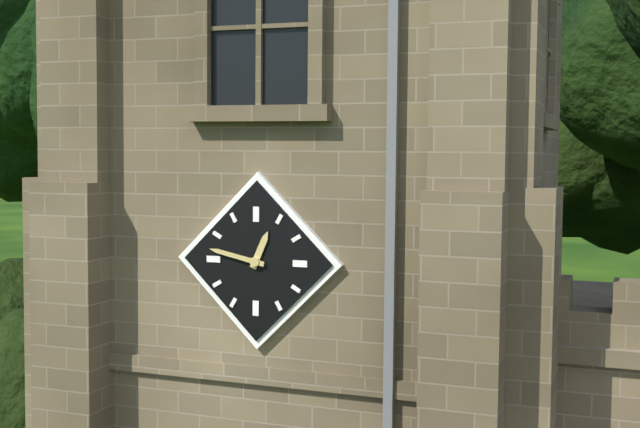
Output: **12:47**
